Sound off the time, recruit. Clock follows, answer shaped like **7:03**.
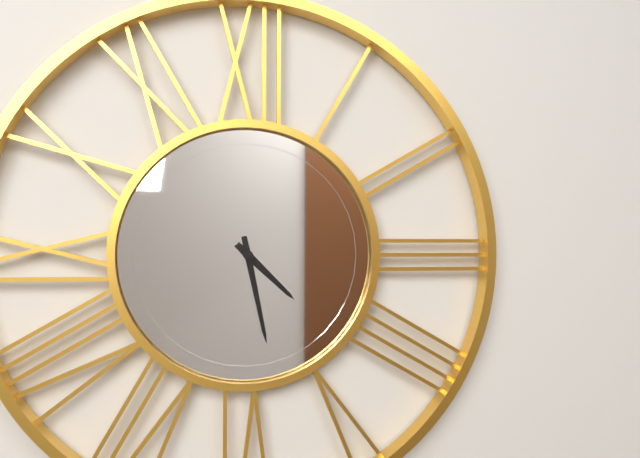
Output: **4:28**
